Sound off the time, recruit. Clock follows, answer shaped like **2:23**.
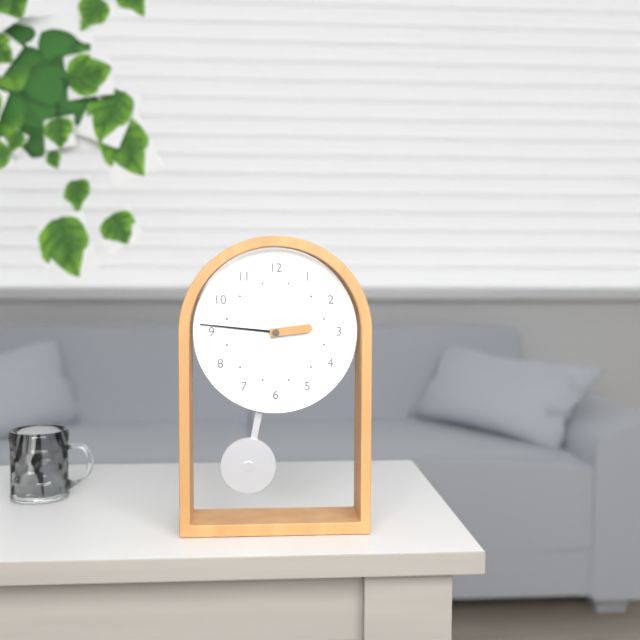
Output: **2:46**
